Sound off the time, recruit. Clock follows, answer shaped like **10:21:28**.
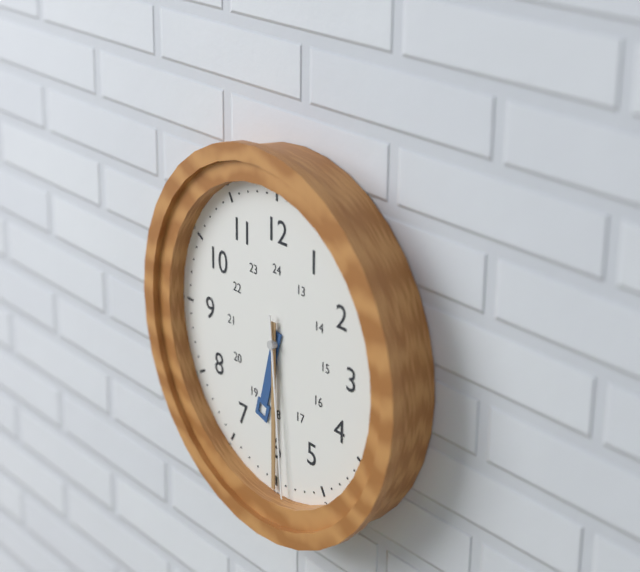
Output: **6:30:29**
